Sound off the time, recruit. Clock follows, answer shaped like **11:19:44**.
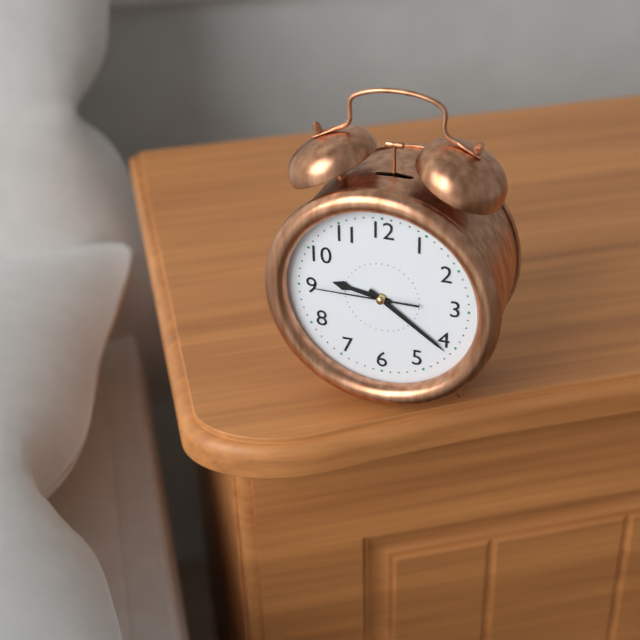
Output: **9:21:45**
